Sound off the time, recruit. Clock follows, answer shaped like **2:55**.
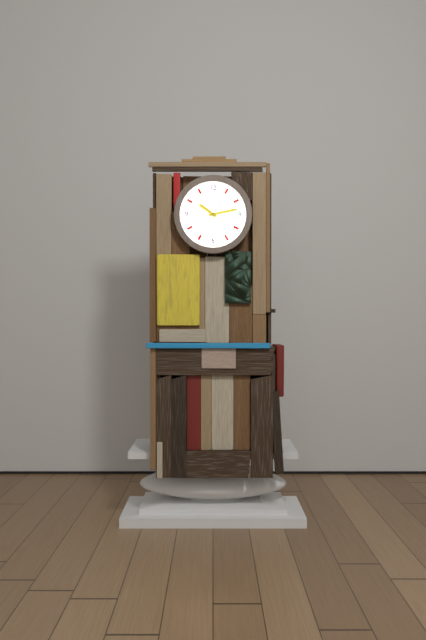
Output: **10:13**
